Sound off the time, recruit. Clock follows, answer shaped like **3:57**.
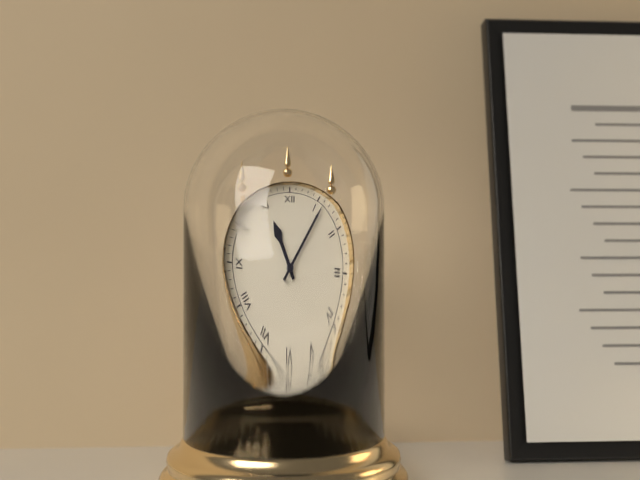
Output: **11:06**
